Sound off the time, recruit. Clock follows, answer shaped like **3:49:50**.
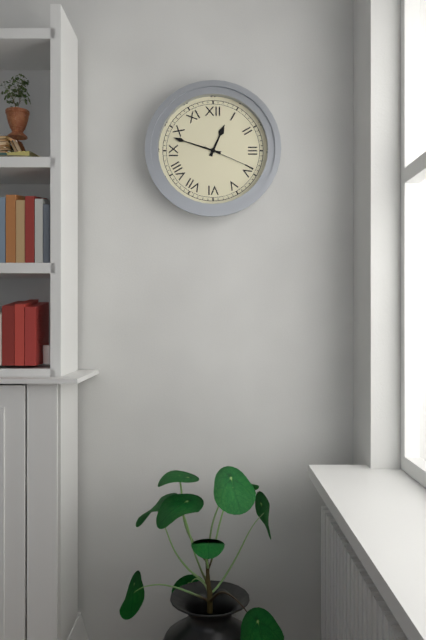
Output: **12:48:19**
